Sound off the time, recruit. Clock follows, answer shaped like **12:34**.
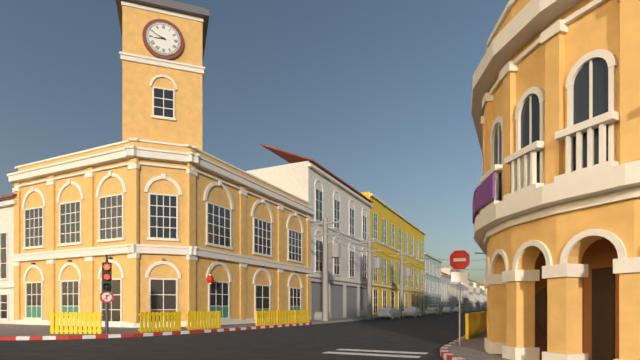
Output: **8:49**
